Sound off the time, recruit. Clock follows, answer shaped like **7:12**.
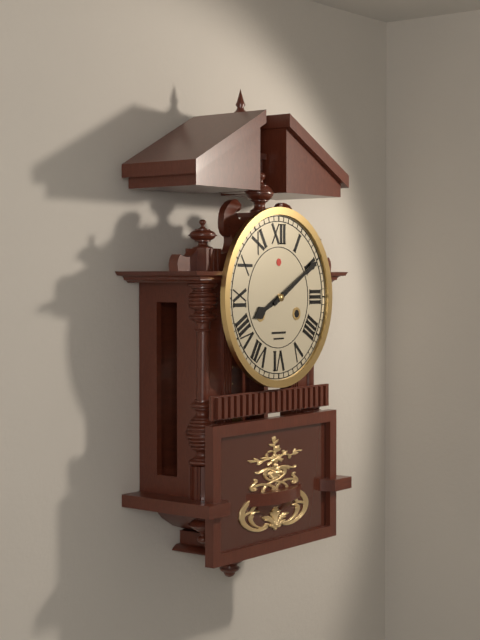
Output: **8:10**
